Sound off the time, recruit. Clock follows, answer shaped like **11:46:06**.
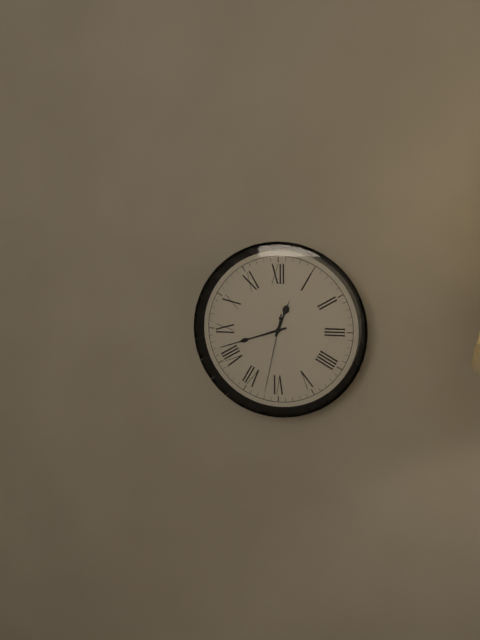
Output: **12:42:32**
